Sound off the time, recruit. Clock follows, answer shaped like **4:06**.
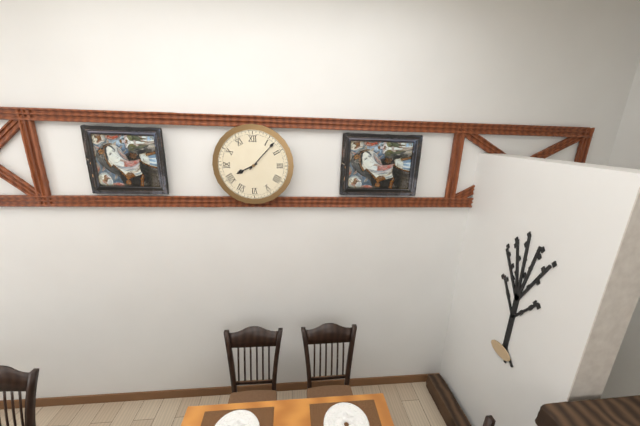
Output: **8:07**
